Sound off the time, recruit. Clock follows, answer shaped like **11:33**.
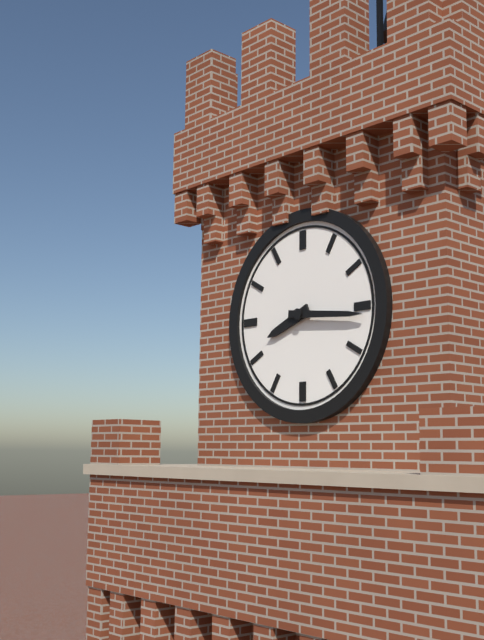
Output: **8:16**
